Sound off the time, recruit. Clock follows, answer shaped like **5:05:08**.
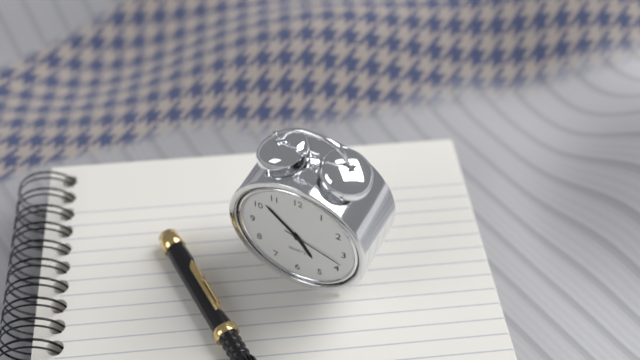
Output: **4:52:18**
